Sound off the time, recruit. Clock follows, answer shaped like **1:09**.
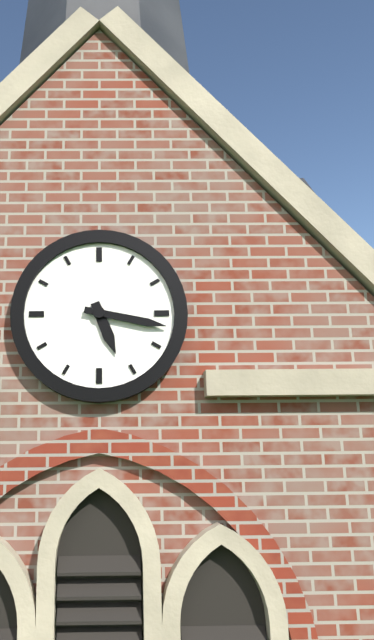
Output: **5:17**
